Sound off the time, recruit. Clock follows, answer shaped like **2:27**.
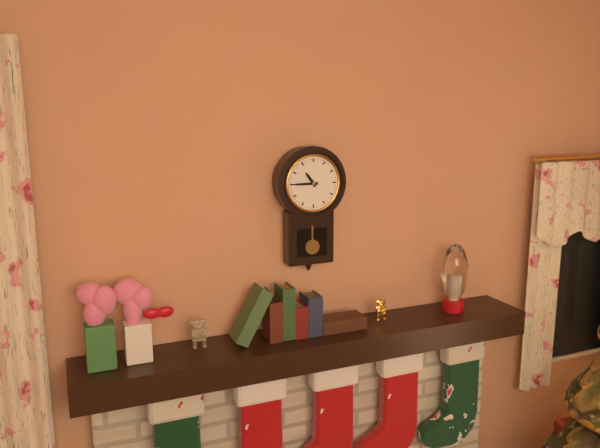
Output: **10:45**
